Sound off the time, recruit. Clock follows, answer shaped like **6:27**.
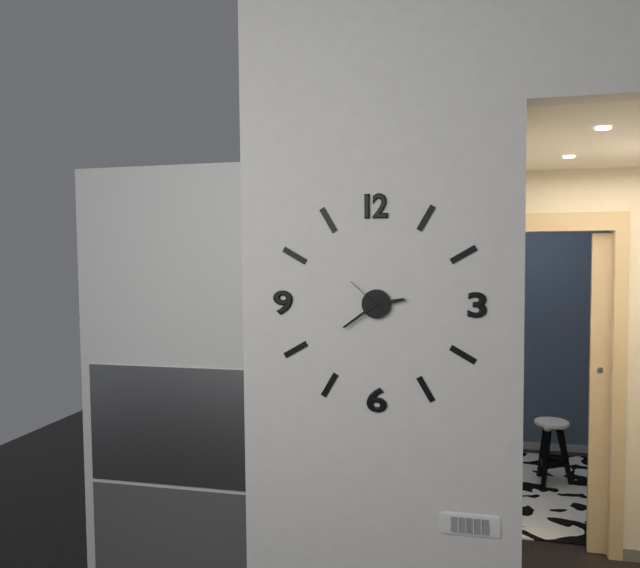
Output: **2:39**
